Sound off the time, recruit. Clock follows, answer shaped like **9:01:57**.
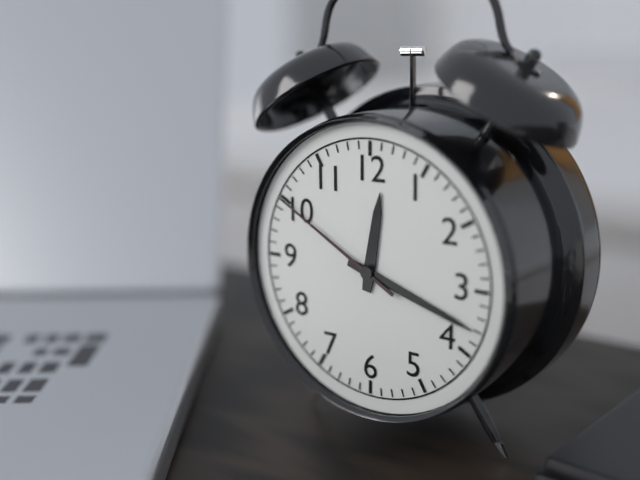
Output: **12:18:50**
